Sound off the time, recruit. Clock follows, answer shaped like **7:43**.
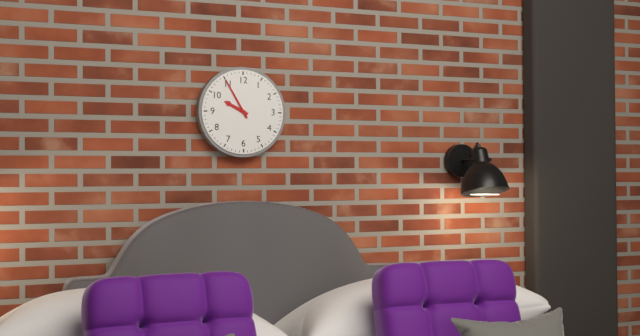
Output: **9:55**
